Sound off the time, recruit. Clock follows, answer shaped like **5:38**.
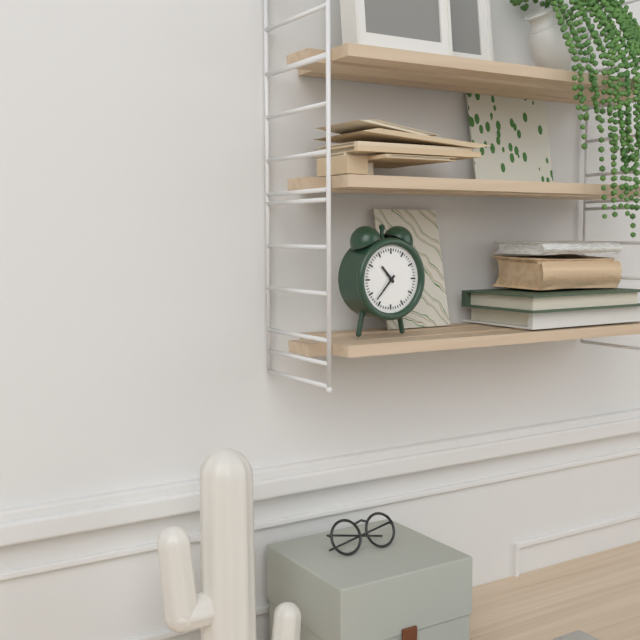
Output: **10:37**
